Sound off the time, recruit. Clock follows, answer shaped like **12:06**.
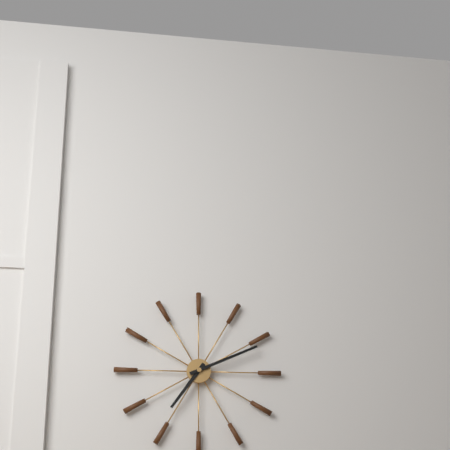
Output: **7:11**
